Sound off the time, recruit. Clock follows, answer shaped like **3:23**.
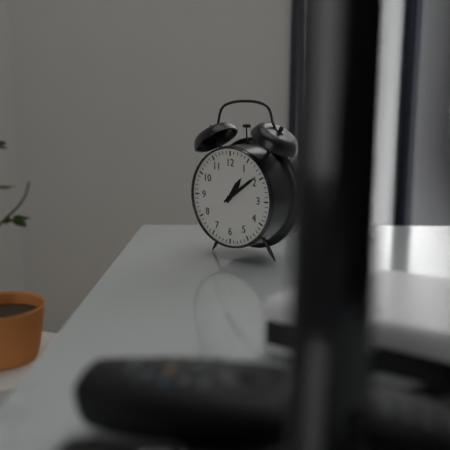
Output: **1:09**
